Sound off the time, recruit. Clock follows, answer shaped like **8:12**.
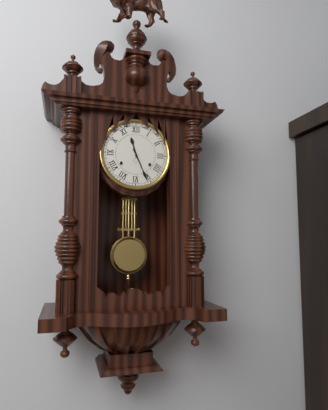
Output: **11:26**
